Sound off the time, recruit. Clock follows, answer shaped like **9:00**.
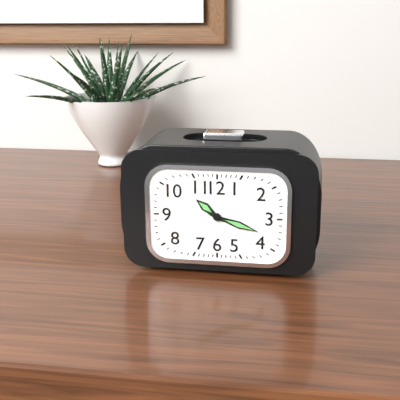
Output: **10:18**
